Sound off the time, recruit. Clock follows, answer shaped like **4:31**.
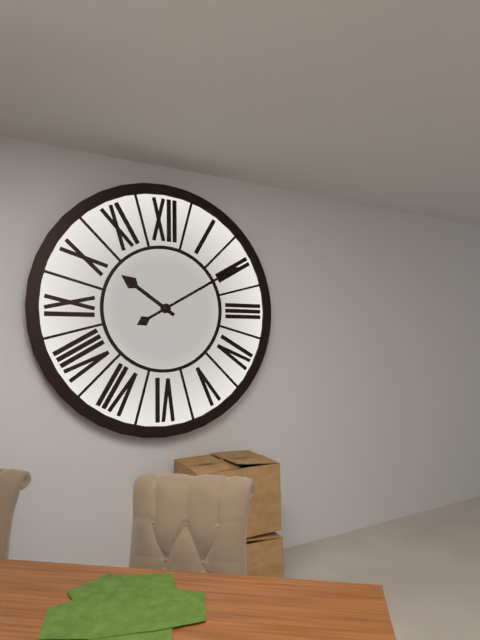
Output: **10:10**
